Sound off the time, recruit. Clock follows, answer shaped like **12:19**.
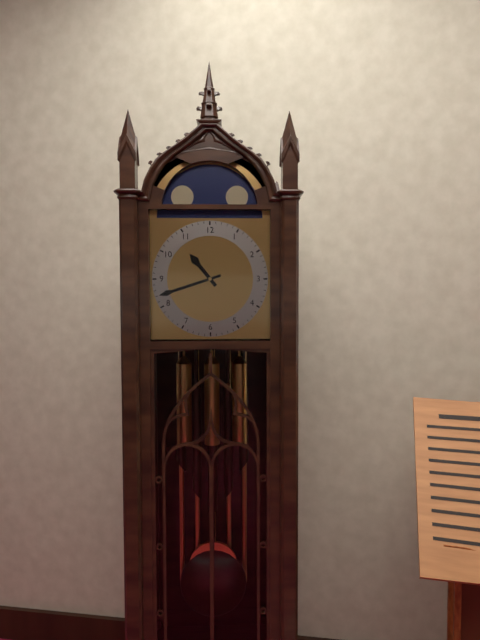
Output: **10:42**
